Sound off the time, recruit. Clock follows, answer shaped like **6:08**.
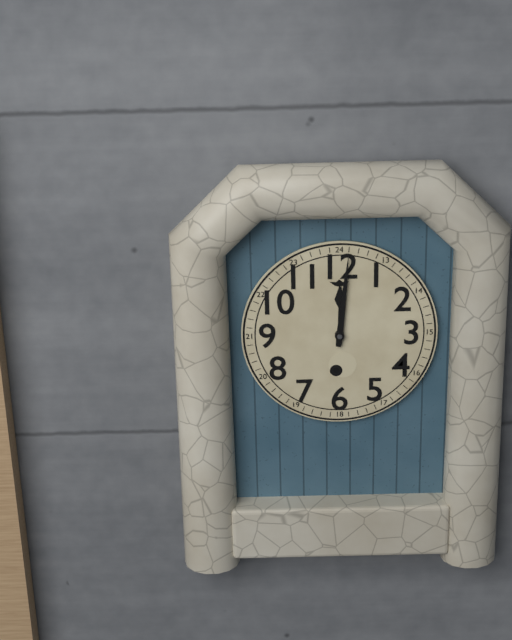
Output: **12:01**
